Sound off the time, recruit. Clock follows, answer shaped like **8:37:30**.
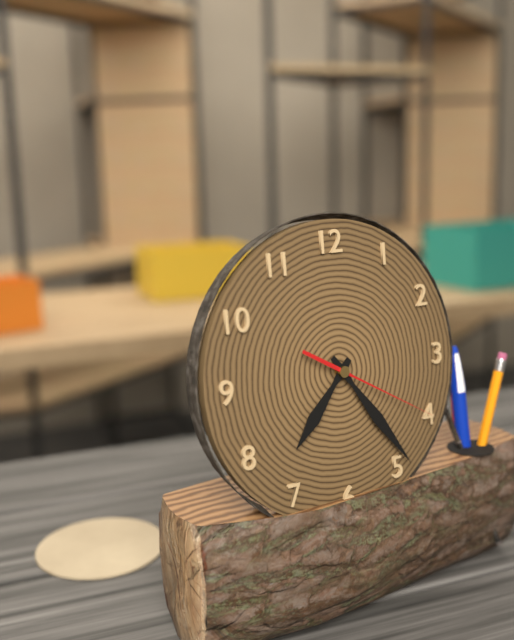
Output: **7:24:20**
